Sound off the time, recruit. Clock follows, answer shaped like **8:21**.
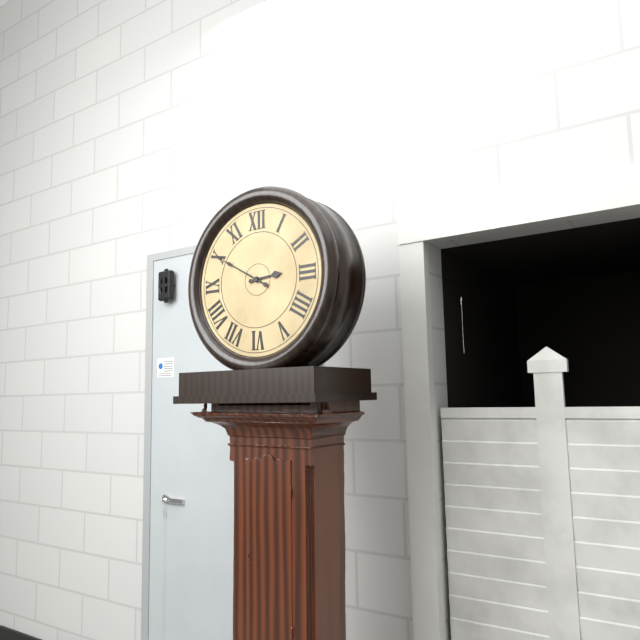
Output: **2:50**
